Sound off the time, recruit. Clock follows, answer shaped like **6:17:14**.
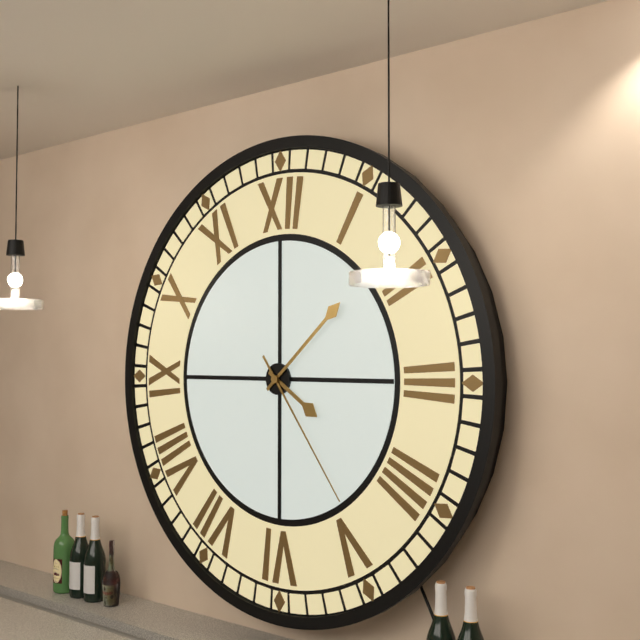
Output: **4:08:24**
